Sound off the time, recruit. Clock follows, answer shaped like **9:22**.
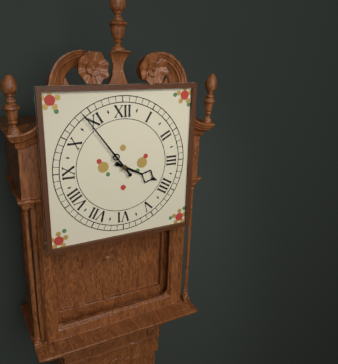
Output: **3:54**
